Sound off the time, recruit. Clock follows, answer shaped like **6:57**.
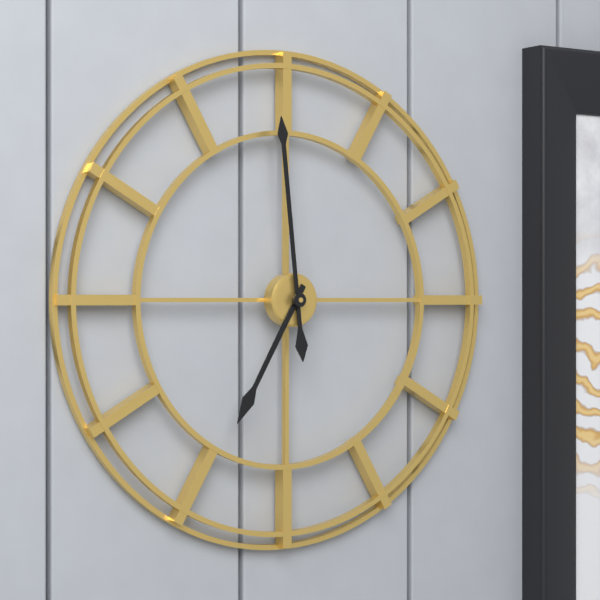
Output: **6:59**
